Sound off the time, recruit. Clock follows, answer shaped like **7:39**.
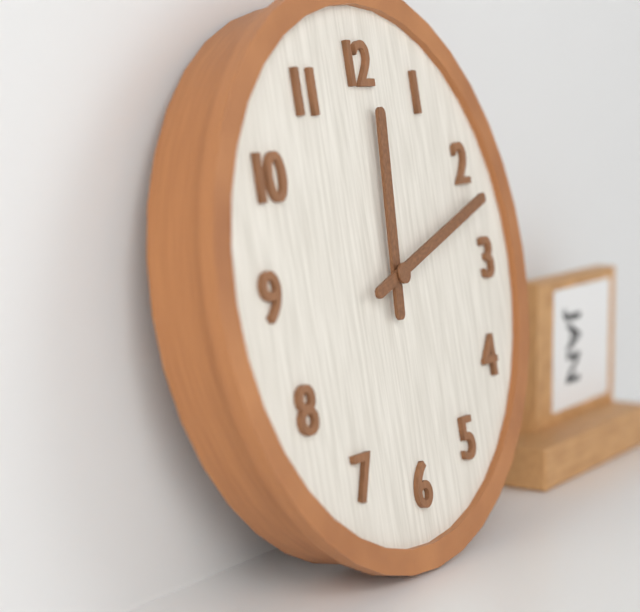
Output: **12:12**
